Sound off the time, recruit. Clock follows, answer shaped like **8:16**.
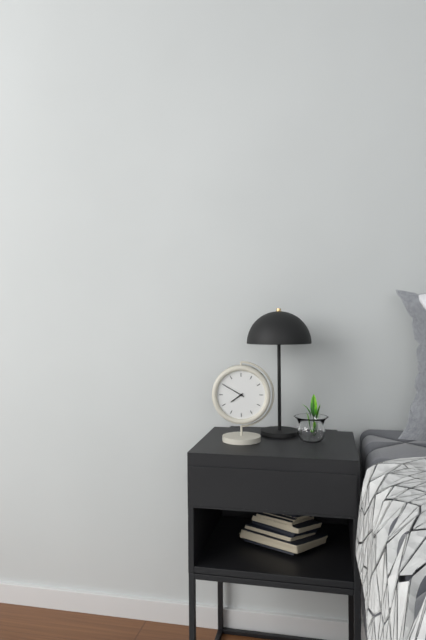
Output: **7:50**
